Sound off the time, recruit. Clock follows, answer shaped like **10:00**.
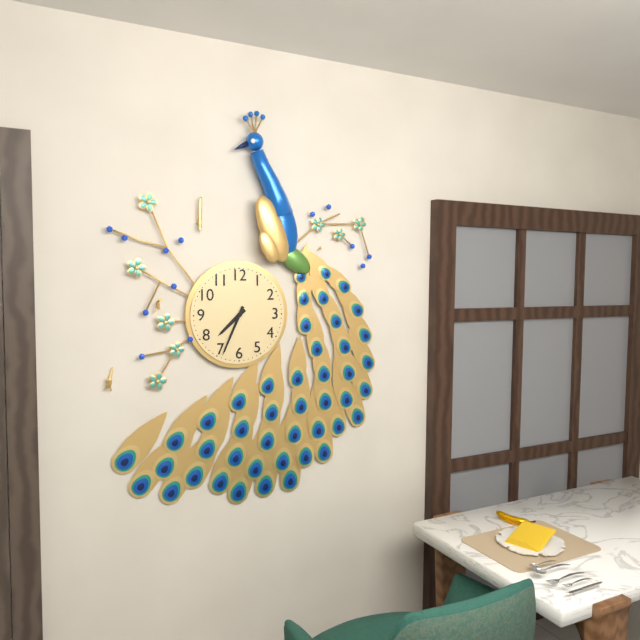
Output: **7:34**
